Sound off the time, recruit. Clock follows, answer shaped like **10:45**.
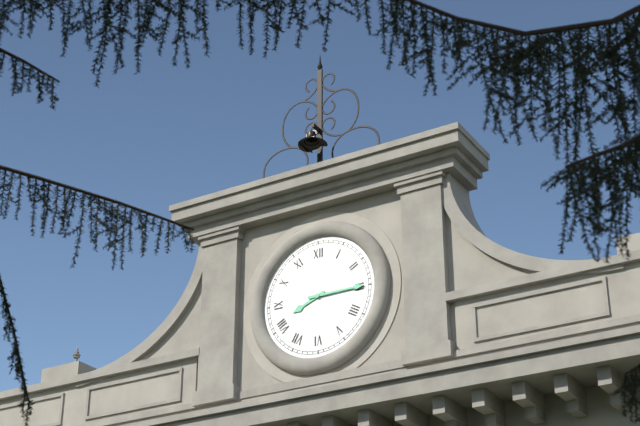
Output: **8:15**
